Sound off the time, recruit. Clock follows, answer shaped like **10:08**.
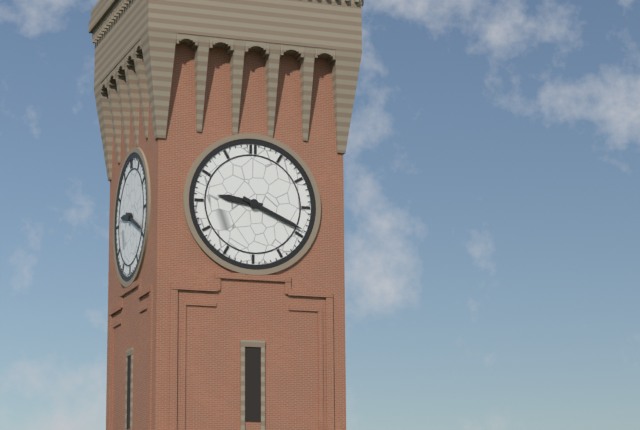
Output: **9:19**
